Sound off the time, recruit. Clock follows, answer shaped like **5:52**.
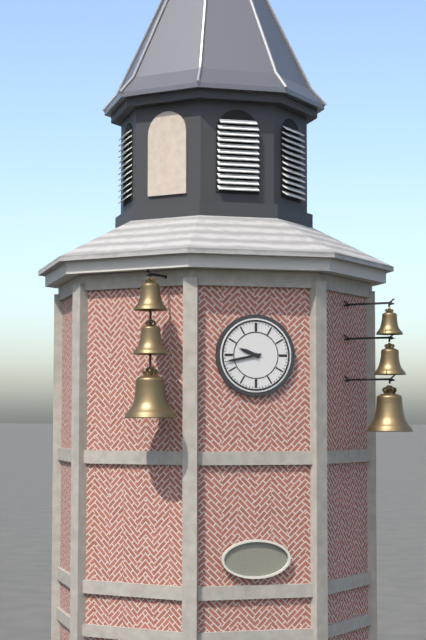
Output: **9:43**
